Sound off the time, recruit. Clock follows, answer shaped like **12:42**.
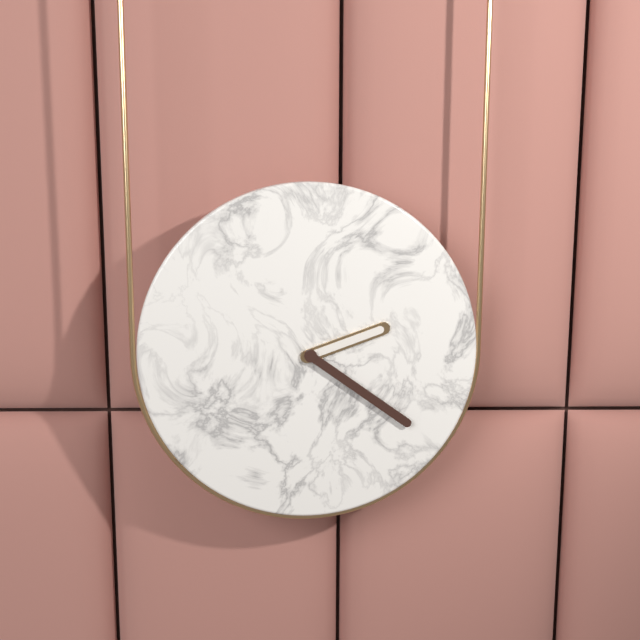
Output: **2:21**
